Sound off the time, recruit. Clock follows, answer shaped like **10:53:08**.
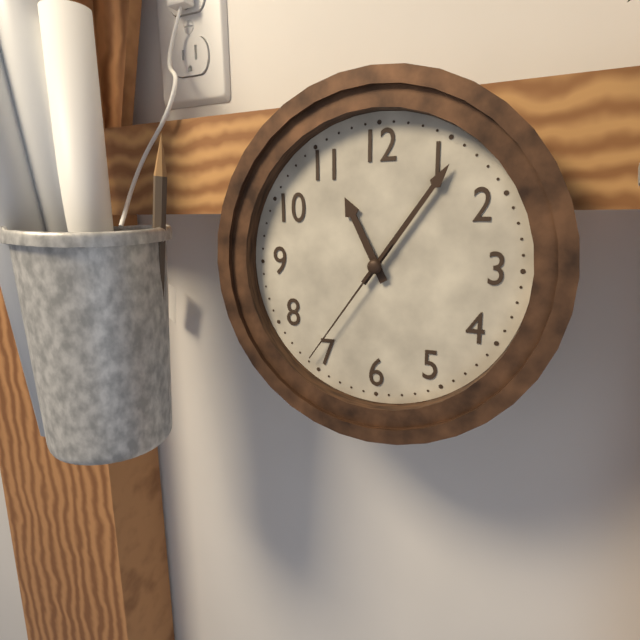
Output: **11:06:36**
